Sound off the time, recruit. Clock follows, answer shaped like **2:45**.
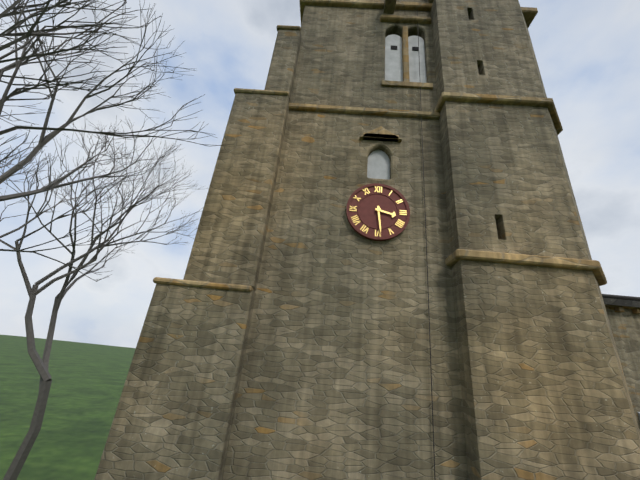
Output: **3:29**
